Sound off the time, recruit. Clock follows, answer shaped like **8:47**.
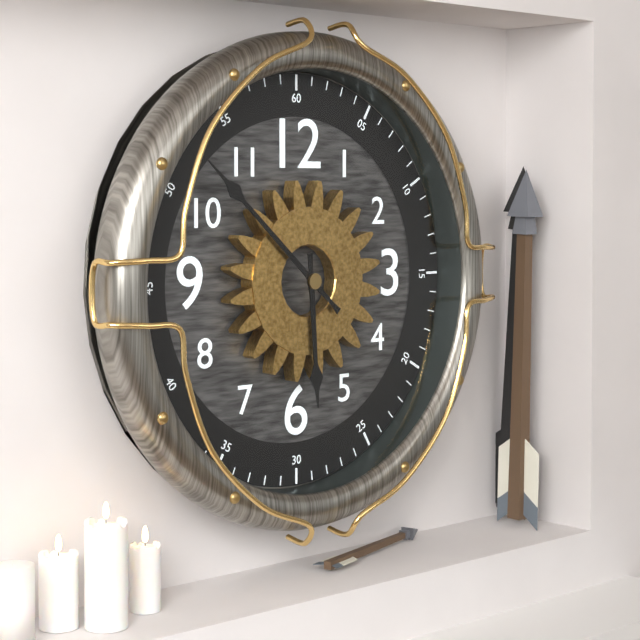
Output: **5:52**
